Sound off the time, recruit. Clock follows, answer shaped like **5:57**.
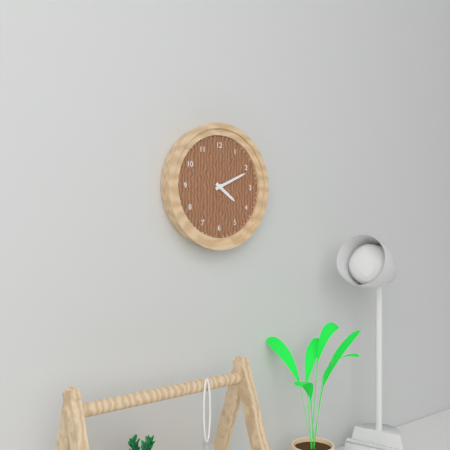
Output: **4:11**
